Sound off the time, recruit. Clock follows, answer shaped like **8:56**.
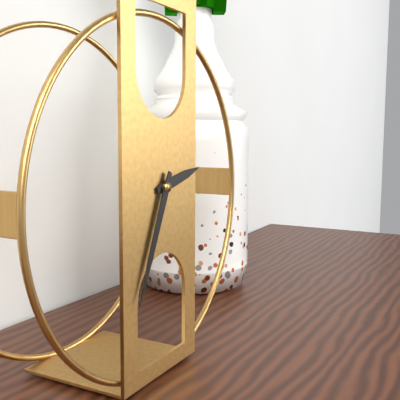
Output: **2:34**
